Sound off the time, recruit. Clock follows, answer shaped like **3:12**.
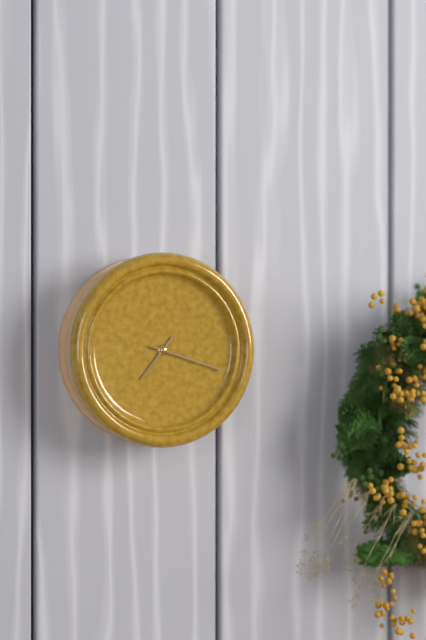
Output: **7:18**
